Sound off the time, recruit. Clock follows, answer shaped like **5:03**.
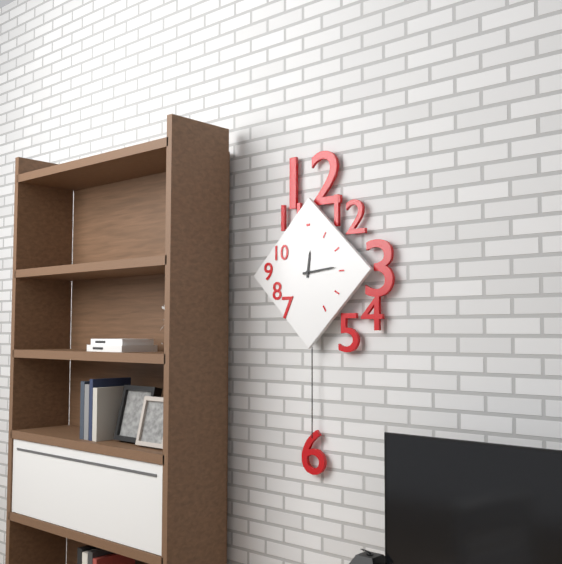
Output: **12:14**
